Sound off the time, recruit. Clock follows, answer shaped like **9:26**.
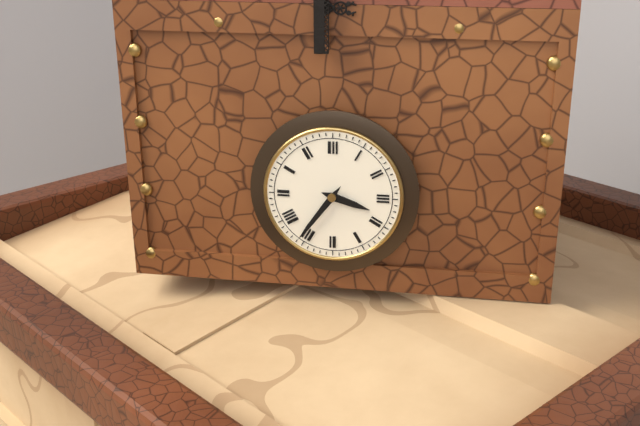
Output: **3:36**
